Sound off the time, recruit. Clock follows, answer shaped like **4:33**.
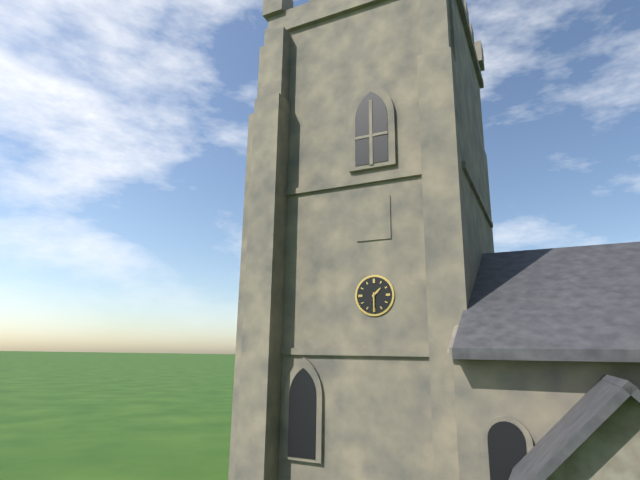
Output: **1:30**
